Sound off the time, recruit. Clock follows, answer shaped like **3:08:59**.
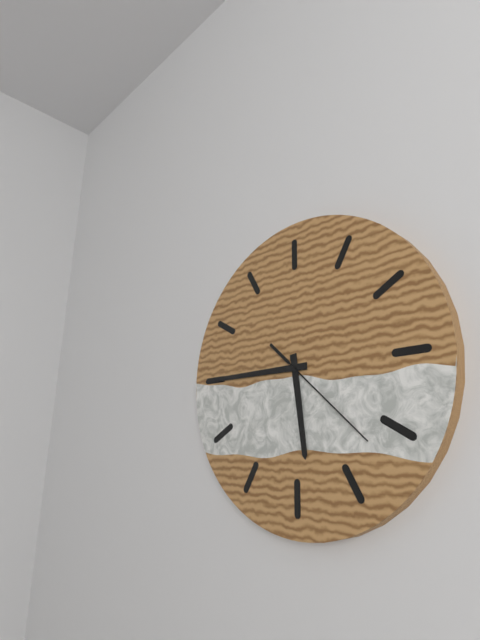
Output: **5:45:22**
